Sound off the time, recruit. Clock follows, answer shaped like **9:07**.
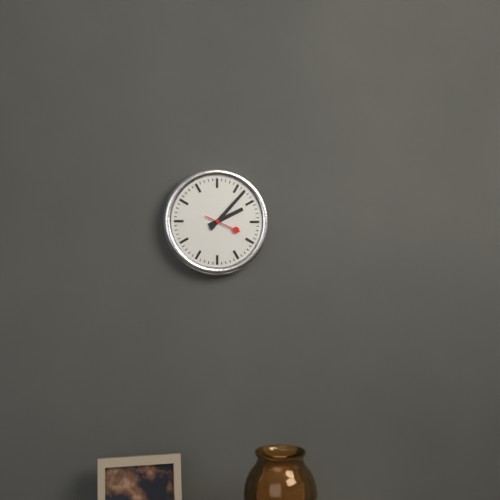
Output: **2:07**
